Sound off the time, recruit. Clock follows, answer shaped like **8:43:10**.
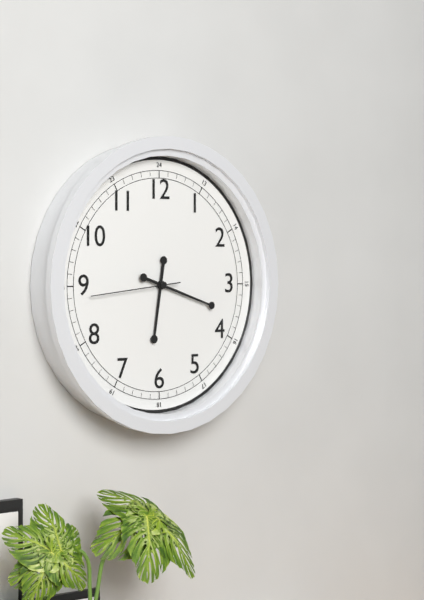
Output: **6:18:44**
